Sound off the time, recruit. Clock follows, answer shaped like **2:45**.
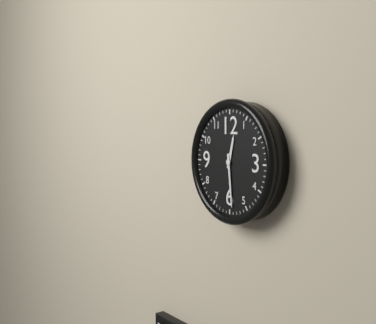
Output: **12:29**
